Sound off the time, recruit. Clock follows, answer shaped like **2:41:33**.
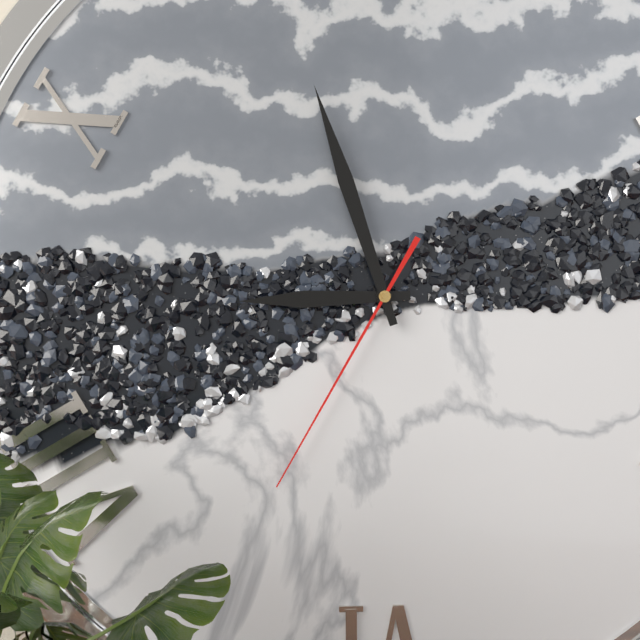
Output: **8:57:35**
